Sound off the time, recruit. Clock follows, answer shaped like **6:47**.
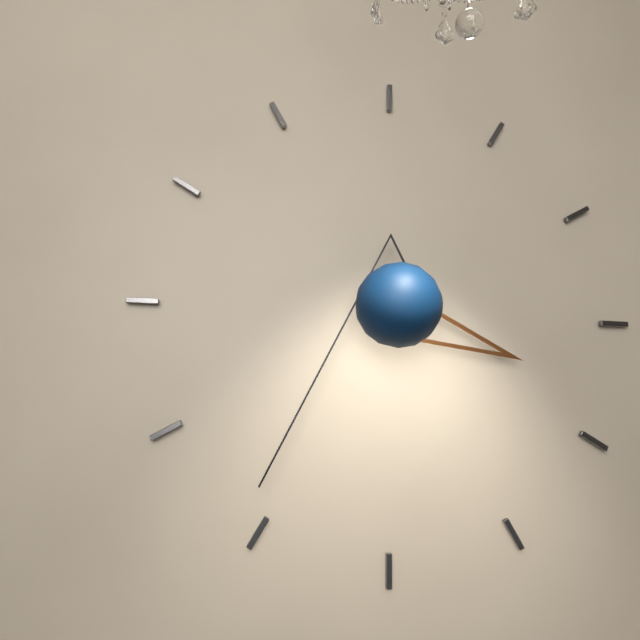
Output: **3:36**
